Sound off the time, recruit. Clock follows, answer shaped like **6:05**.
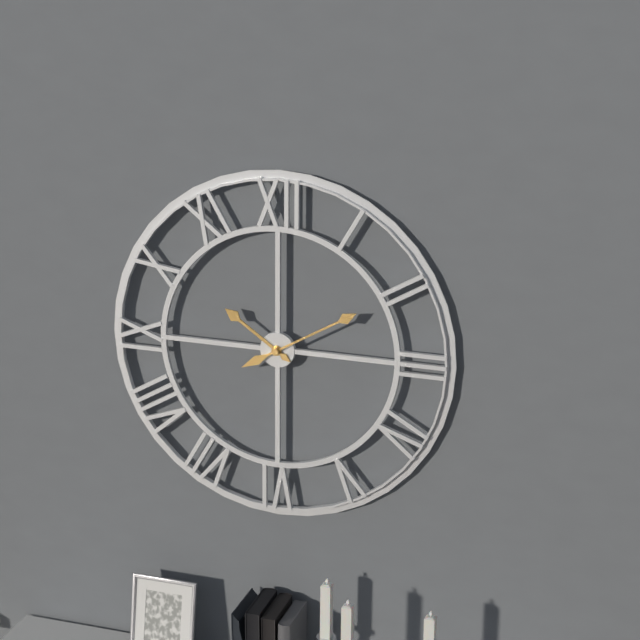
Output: **10:10**
